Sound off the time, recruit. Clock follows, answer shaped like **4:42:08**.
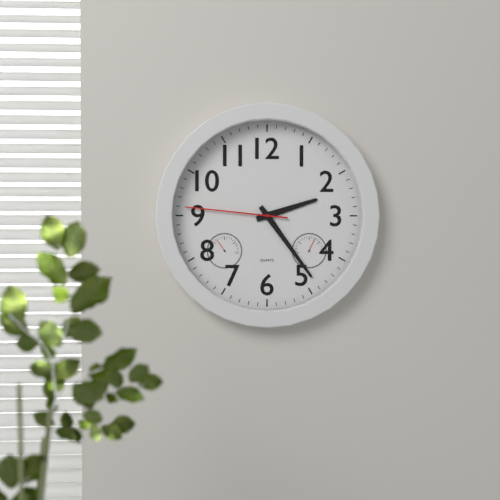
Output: **2:24:46**
